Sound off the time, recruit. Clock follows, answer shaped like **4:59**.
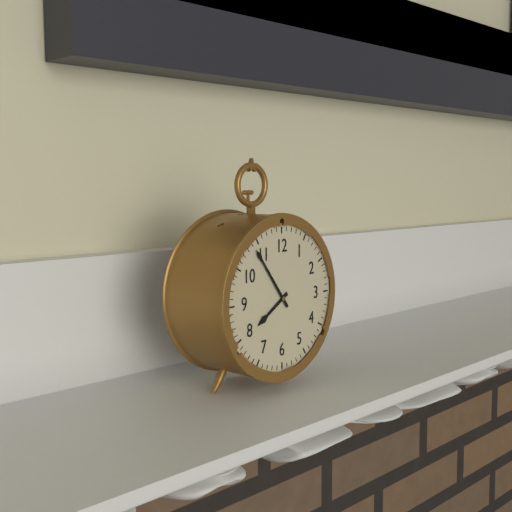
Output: **7:54**
